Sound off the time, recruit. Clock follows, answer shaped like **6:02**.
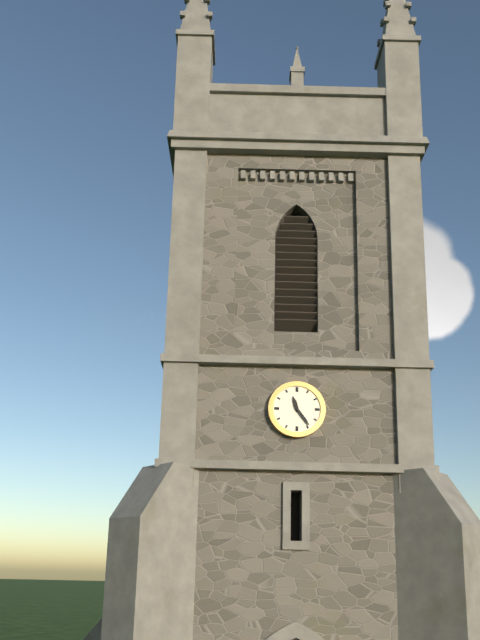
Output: **11:24**
